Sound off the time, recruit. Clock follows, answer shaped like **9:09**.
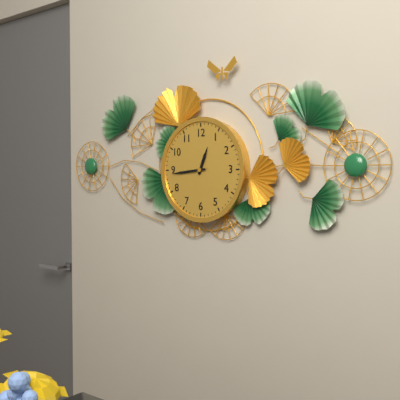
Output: **12:44**
